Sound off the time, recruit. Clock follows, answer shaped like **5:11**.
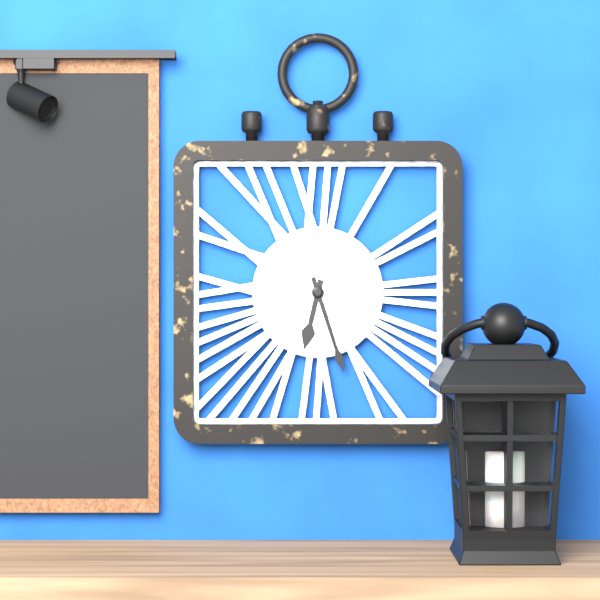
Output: **6:27**
